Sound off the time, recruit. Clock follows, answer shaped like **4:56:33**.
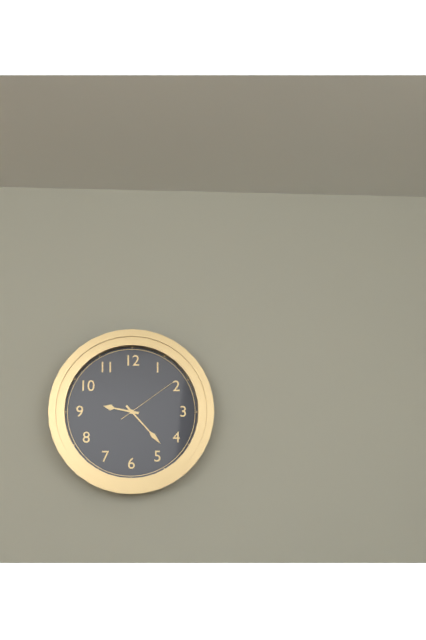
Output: **9:23:09**
